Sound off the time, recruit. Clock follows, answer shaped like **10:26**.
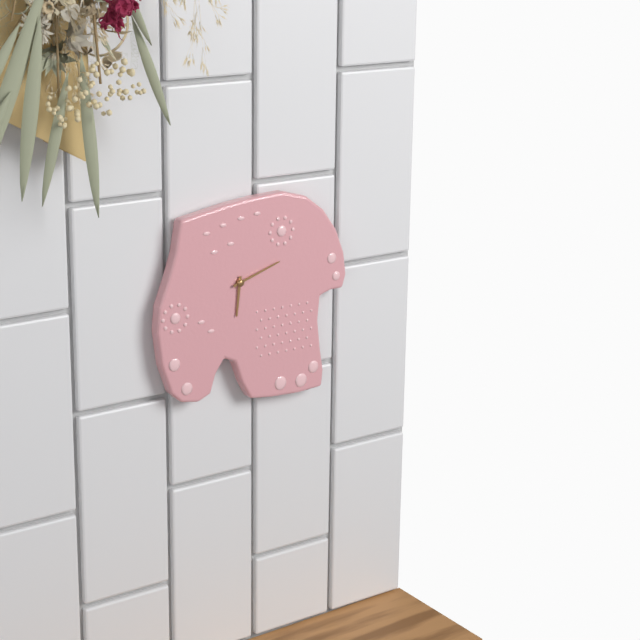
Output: **6:12**
